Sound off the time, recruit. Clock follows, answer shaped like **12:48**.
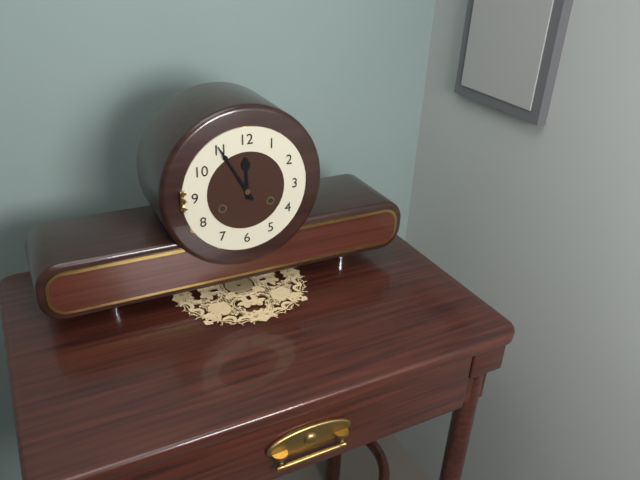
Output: **11:55**
